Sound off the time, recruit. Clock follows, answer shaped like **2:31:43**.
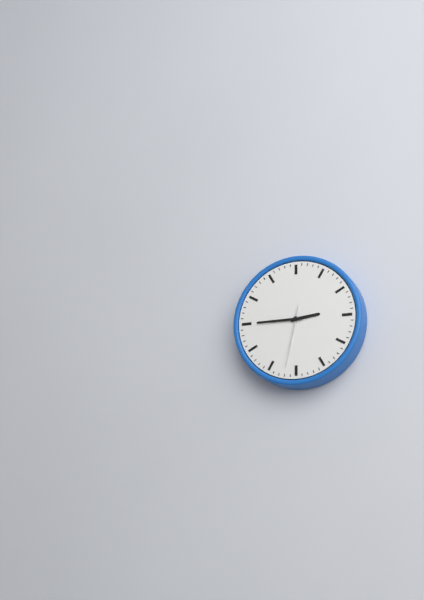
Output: **2:45:32**
